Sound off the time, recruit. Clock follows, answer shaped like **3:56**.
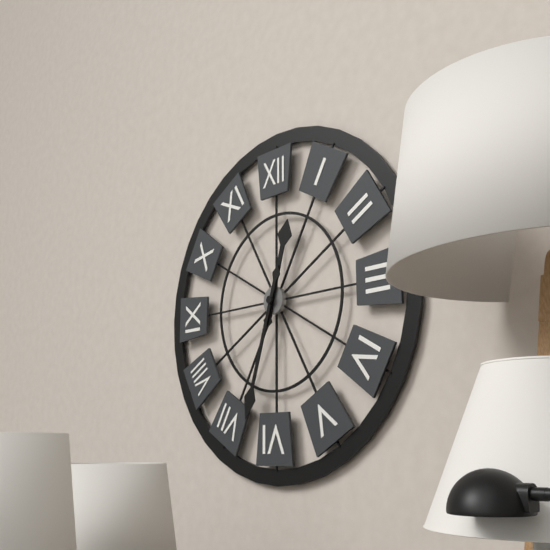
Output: **12:33**
